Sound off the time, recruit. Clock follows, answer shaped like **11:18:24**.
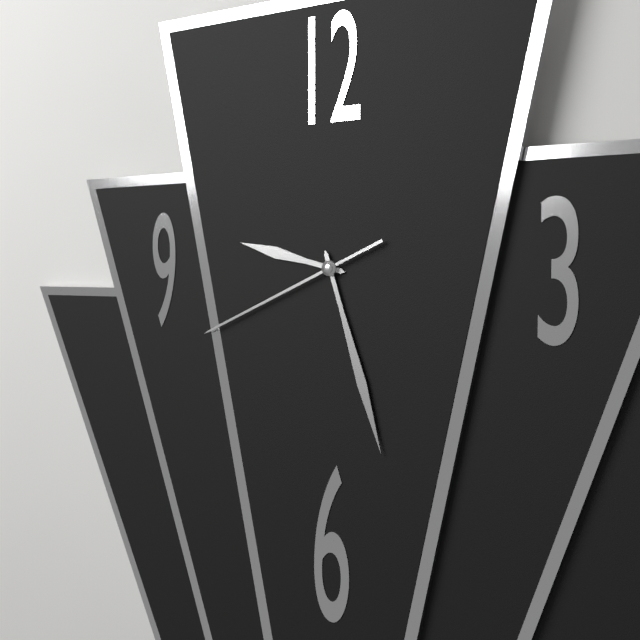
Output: **9:27:41**
